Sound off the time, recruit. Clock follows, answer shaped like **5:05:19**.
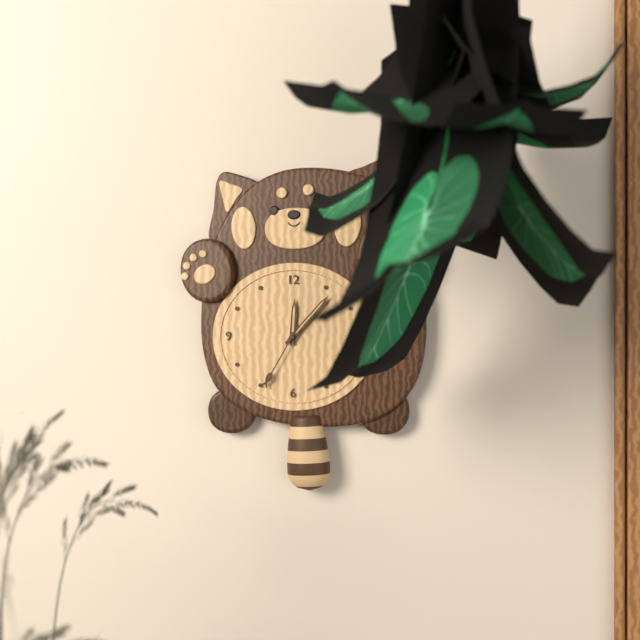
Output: **12:07:35**
